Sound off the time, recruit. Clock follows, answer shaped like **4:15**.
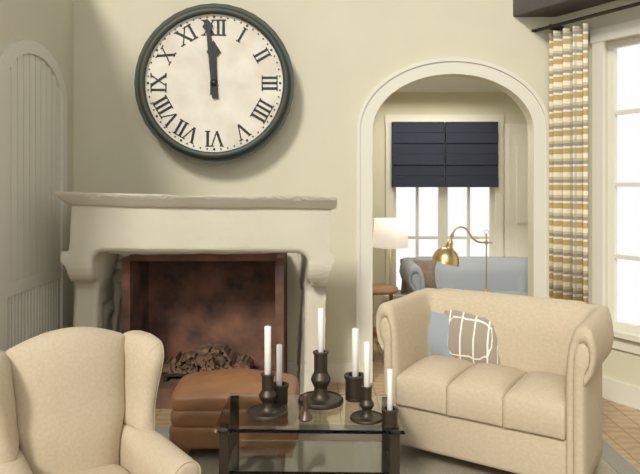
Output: **11:59**
